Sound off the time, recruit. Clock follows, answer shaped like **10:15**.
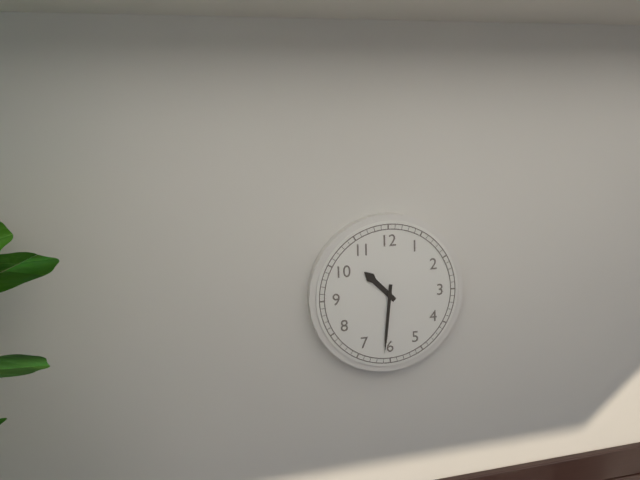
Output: **10:31**
